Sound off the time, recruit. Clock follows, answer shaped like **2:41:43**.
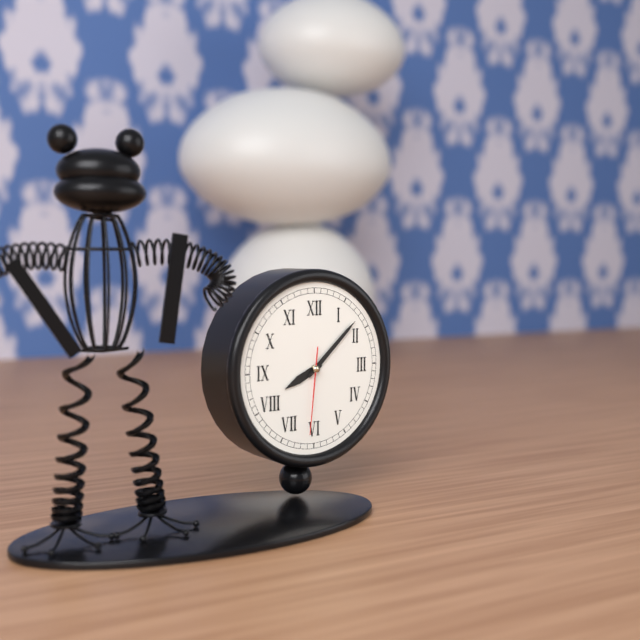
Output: **8:08:31**
